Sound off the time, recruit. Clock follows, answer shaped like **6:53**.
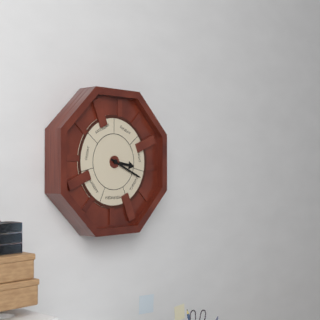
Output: **3:19**
